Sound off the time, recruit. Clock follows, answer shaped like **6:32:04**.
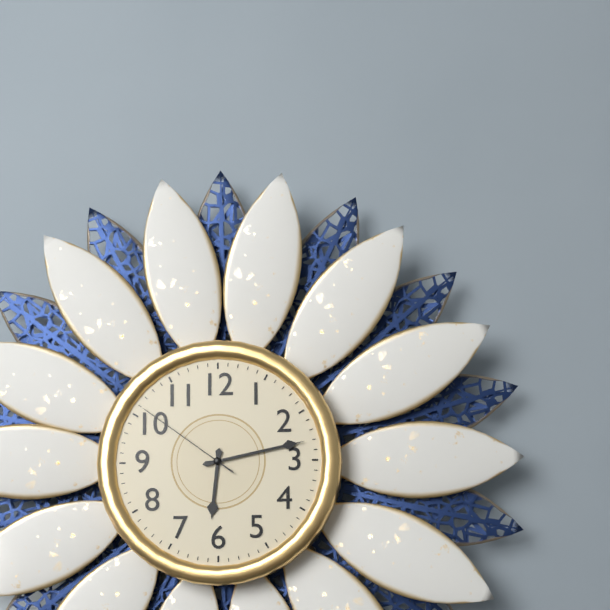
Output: **6:13:51**
